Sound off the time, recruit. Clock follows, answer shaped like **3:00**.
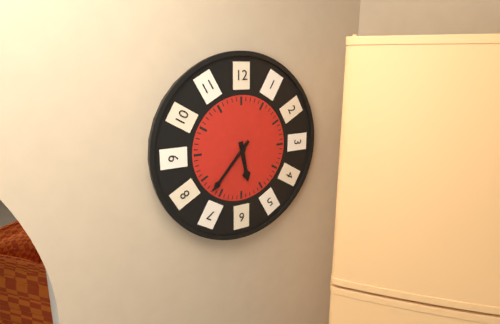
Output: **5:37**
